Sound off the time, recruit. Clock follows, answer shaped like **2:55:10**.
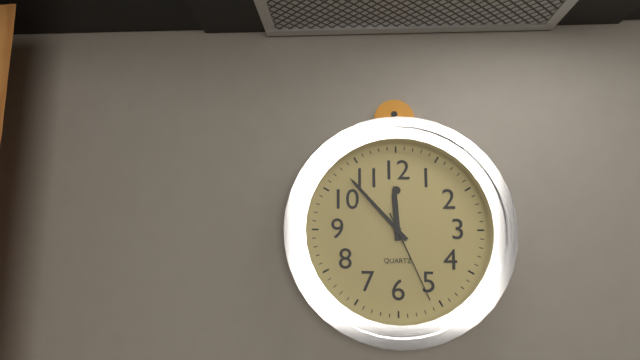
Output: **11:53:26**
